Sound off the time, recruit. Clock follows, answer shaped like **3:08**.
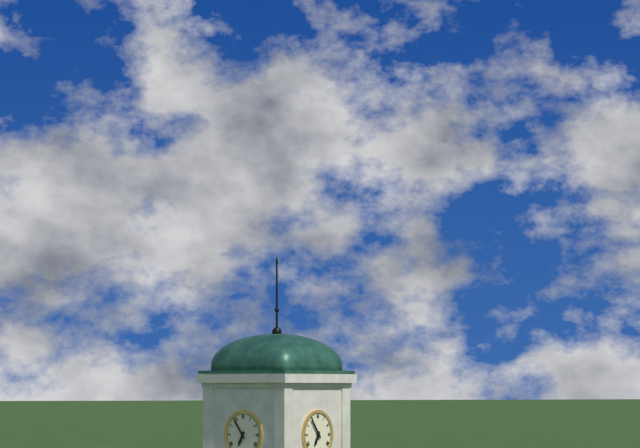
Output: **6:54**
